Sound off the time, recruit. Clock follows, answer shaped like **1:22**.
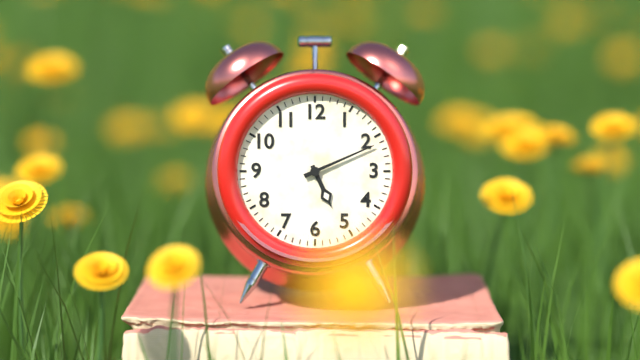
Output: **5:11**
